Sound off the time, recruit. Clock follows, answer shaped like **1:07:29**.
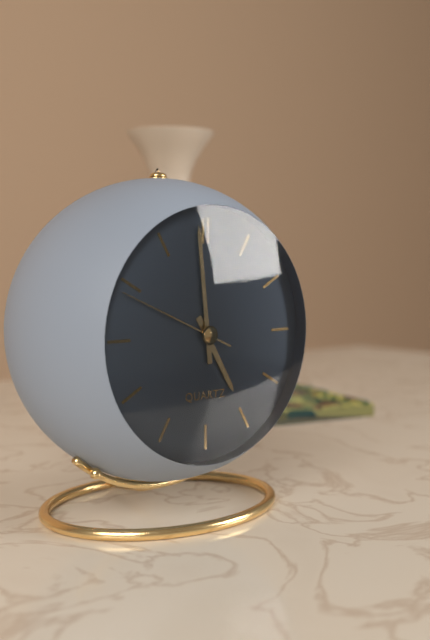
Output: **4:59:49**
